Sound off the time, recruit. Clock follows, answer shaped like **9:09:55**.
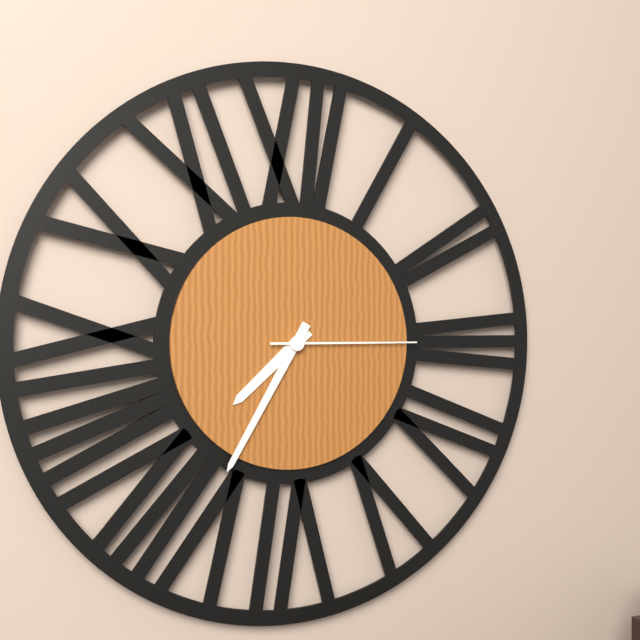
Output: **7:35:15**
